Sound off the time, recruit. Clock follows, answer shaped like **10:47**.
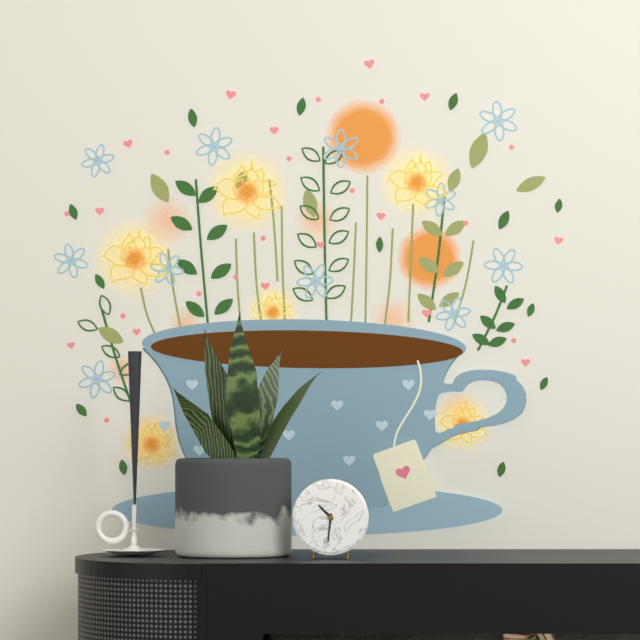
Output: **10:31**
